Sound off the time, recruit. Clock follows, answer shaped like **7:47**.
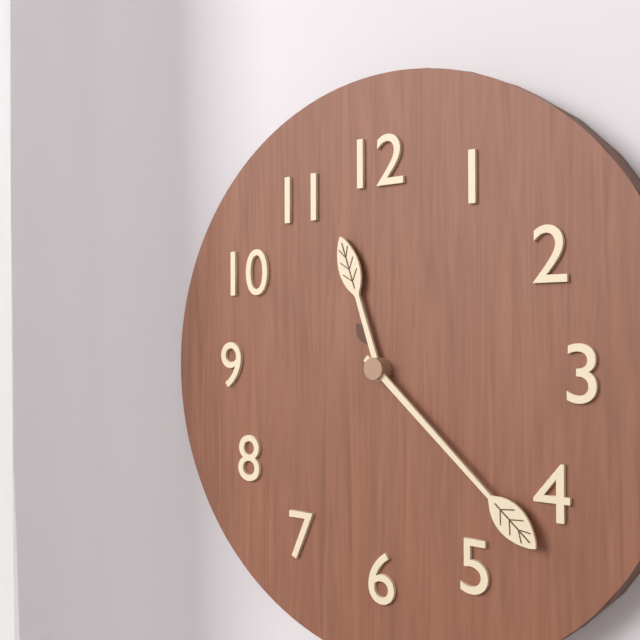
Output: **11:22**
